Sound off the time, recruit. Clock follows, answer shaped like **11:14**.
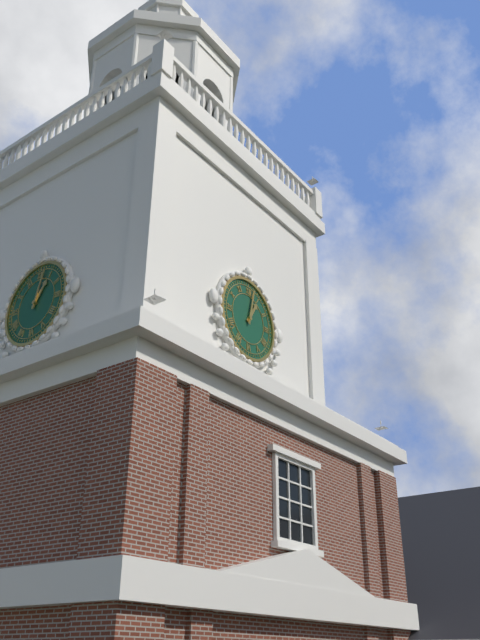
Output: **1:02**
